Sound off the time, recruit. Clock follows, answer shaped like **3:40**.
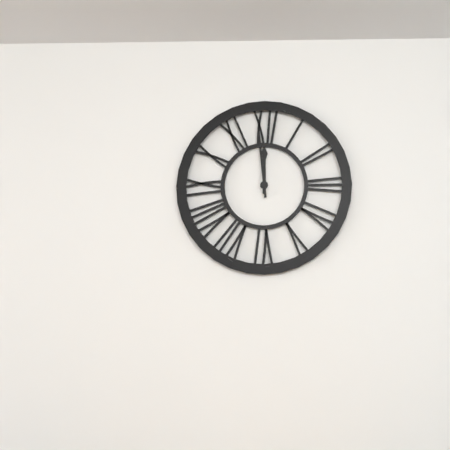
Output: **11:59**
